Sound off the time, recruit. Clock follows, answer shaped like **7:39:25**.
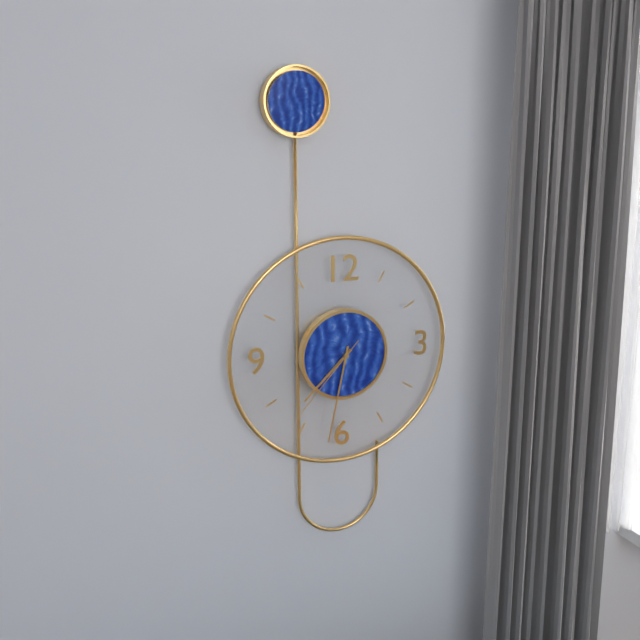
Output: **7:32:37**
